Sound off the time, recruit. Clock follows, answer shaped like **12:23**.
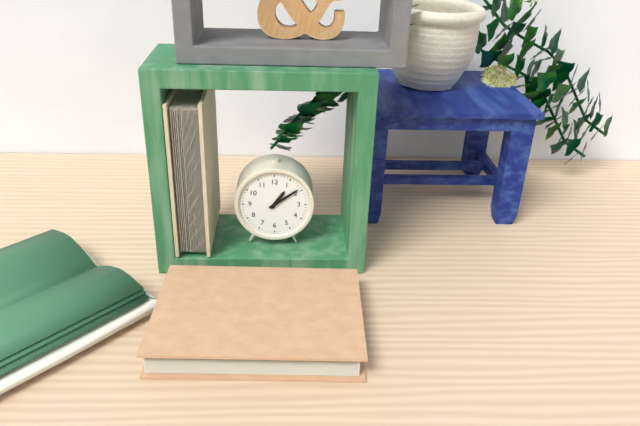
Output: **1:09**
